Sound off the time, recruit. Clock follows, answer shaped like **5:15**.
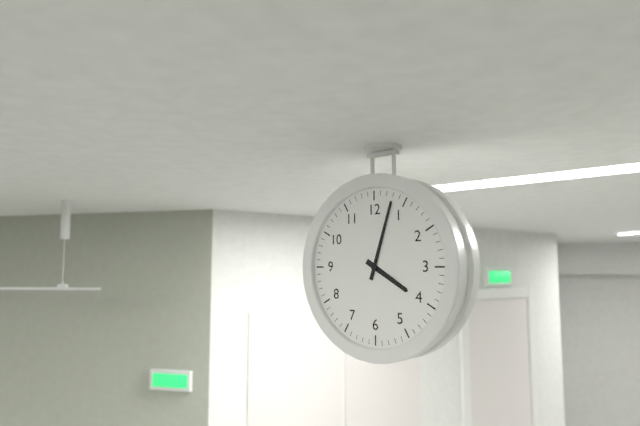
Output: **4:03**
